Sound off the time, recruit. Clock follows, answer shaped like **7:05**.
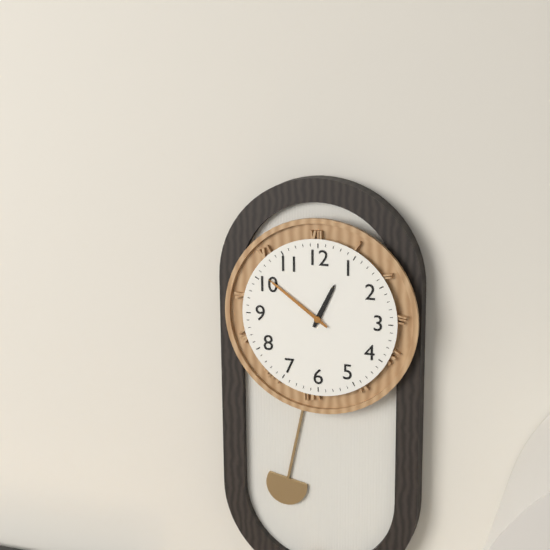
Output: **12:51**
